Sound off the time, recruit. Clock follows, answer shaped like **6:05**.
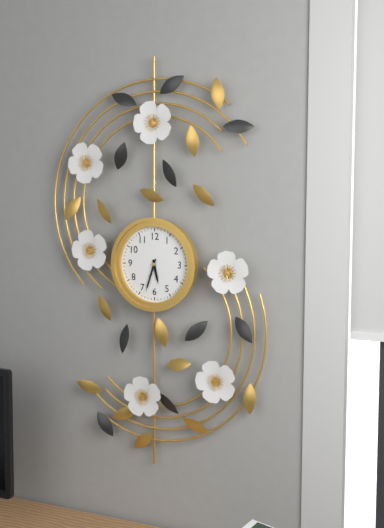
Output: **5:33**
